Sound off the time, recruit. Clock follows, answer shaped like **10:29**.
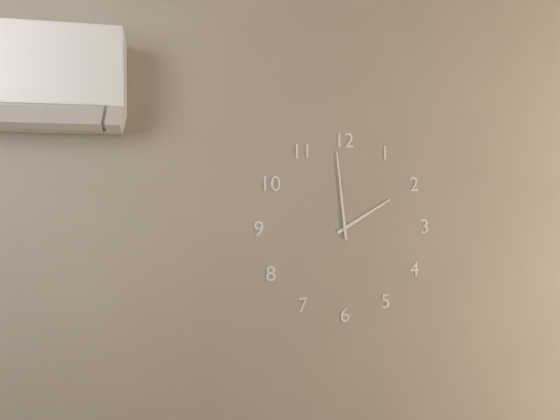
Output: **1:59**
